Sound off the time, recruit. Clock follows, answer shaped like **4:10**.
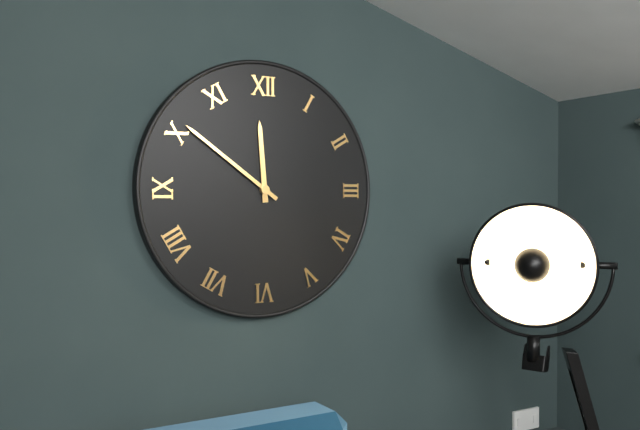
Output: **11:51**
